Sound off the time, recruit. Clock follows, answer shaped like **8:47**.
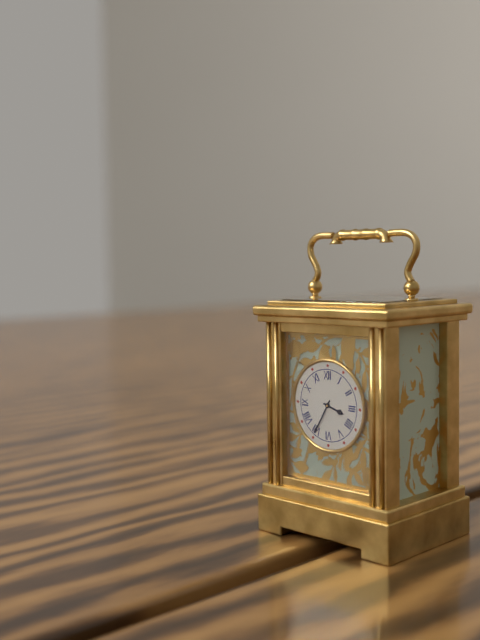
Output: **3:35**
